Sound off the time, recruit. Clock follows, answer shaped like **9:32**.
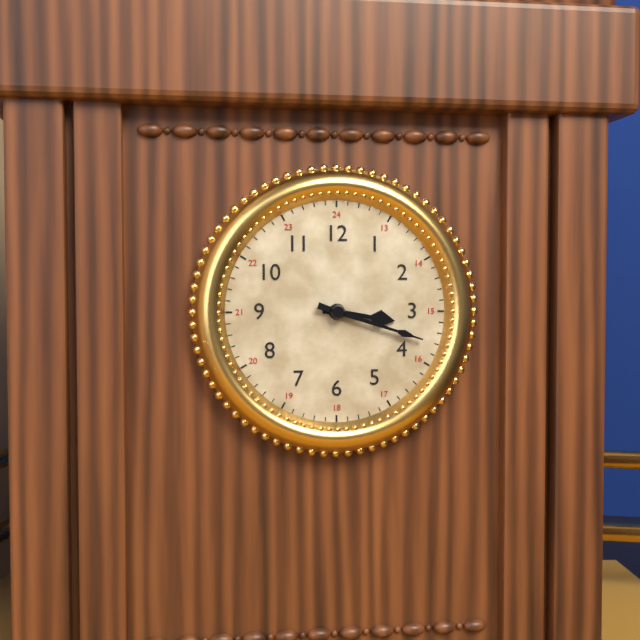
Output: **3:18**
